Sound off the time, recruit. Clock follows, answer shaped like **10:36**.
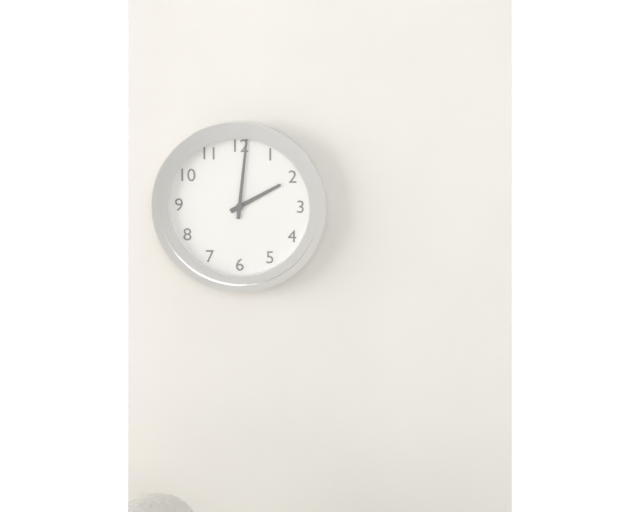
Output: **2:01**
